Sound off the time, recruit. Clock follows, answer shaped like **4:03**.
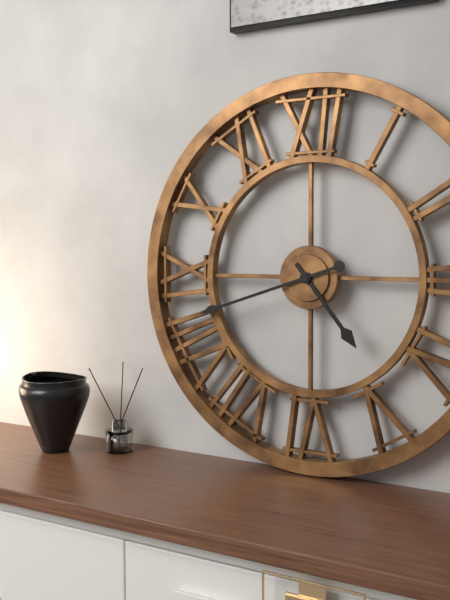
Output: **4:42**
